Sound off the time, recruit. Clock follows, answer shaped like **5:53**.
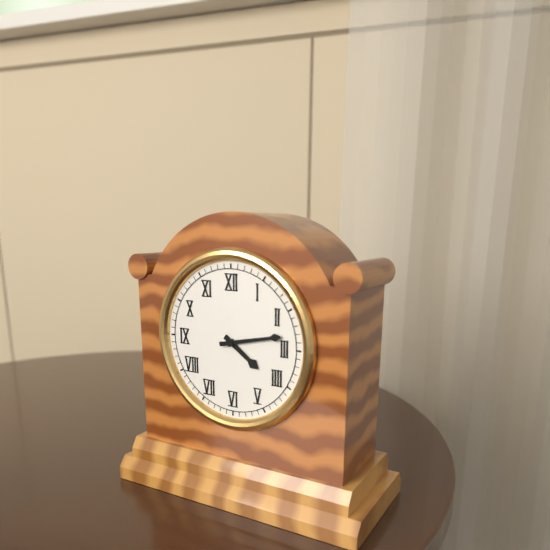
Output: **4:13**
